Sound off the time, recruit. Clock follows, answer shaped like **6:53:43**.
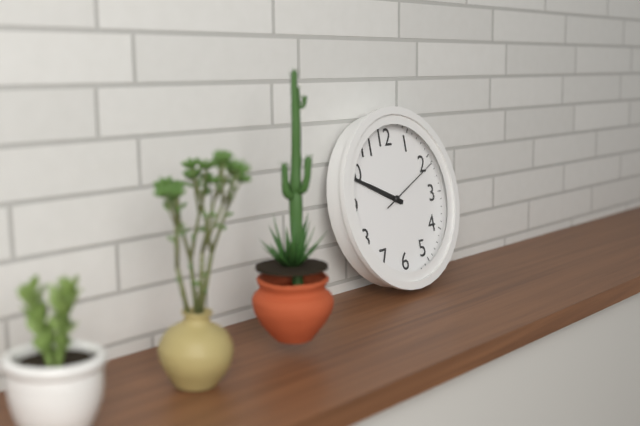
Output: **9:49:11**
